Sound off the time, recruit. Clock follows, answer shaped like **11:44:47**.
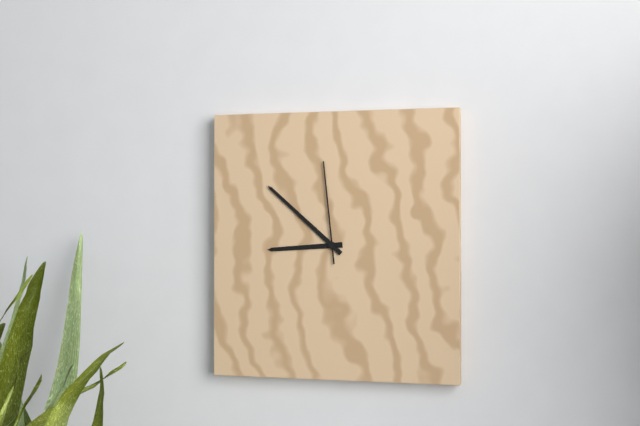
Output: **8:52:59**
